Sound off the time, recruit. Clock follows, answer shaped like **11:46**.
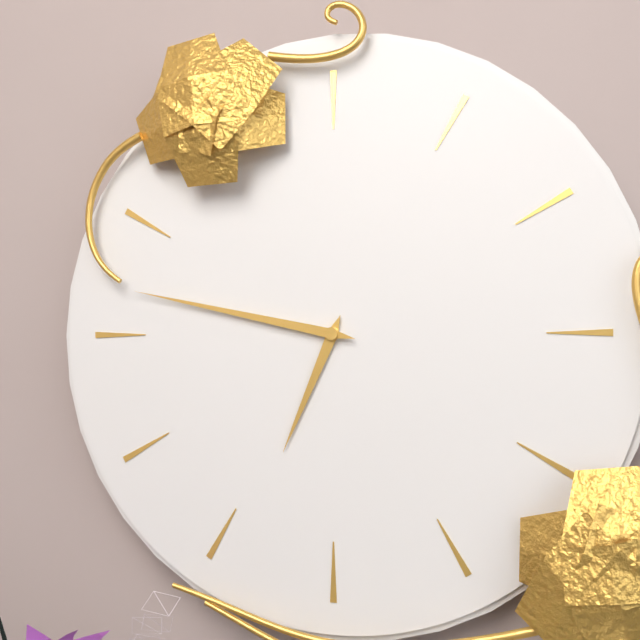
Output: **6:47**
